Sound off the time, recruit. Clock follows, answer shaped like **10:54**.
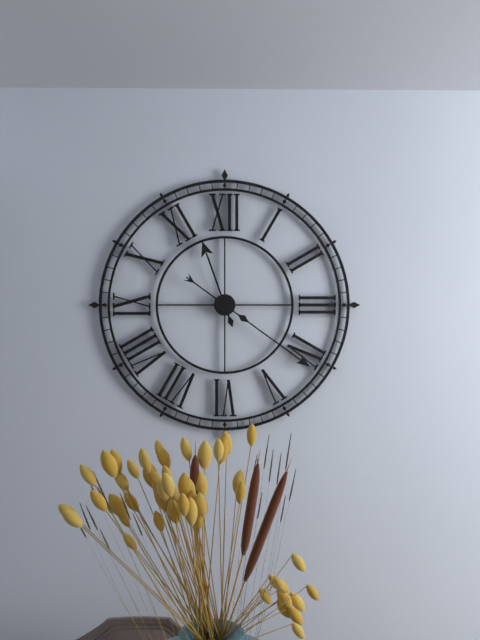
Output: **11:21**
